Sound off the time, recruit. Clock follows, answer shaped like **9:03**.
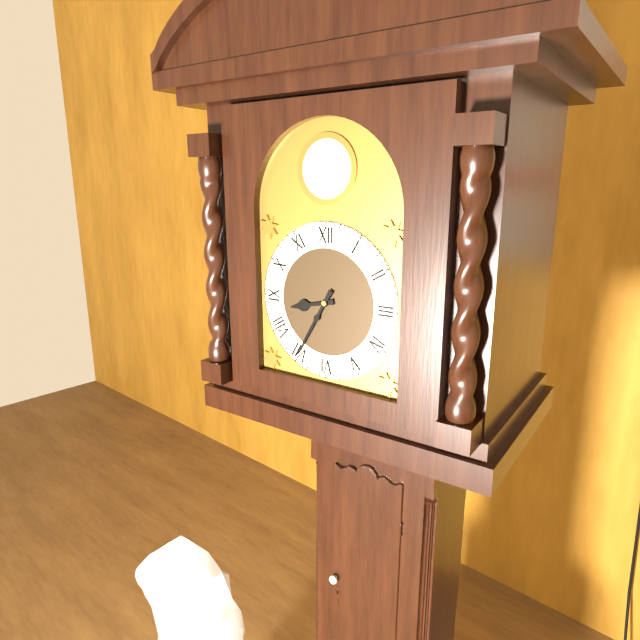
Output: **8:35**
